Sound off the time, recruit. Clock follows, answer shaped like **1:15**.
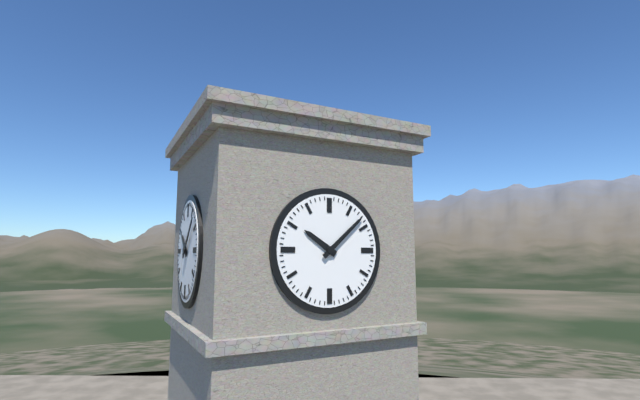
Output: **10:08**
